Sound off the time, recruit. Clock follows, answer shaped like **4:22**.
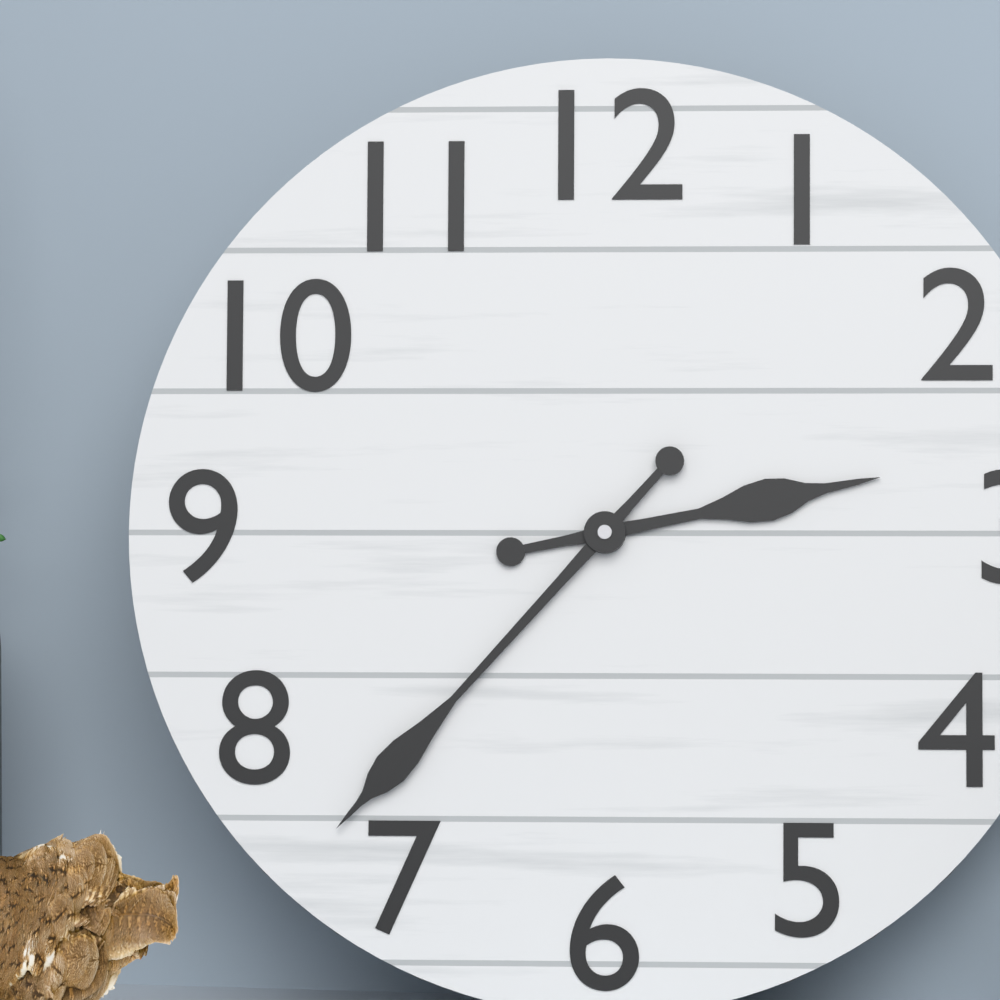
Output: **2:37**
